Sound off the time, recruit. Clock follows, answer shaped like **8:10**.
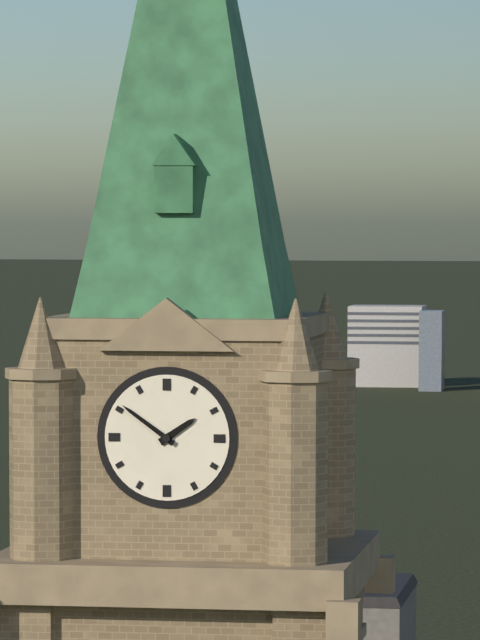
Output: **1:51**
